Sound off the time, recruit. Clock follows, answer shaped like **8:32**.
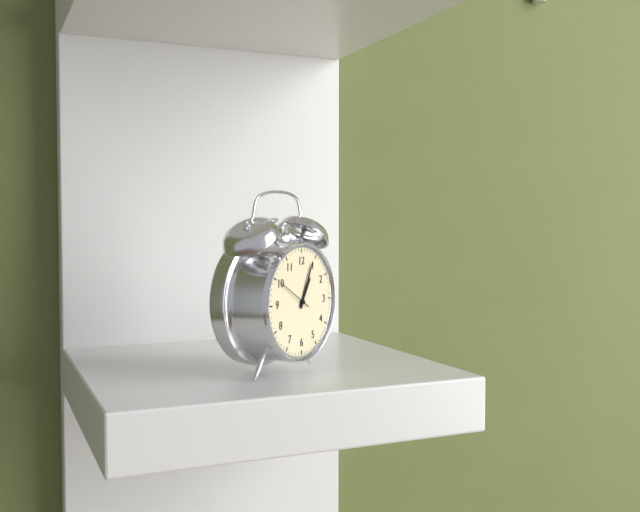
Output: **1:04**
